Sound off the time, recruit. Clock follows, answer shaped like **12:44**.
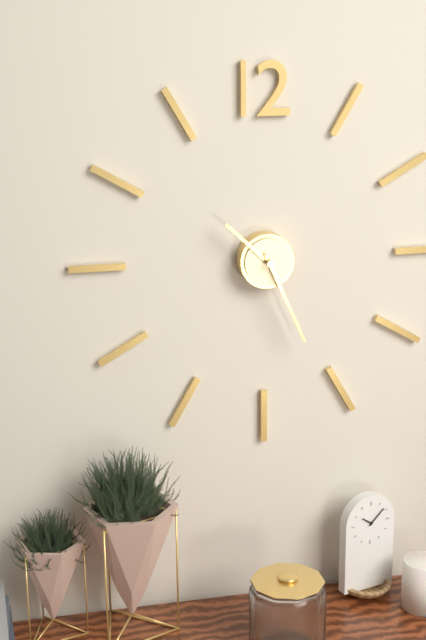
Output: **10:26**
